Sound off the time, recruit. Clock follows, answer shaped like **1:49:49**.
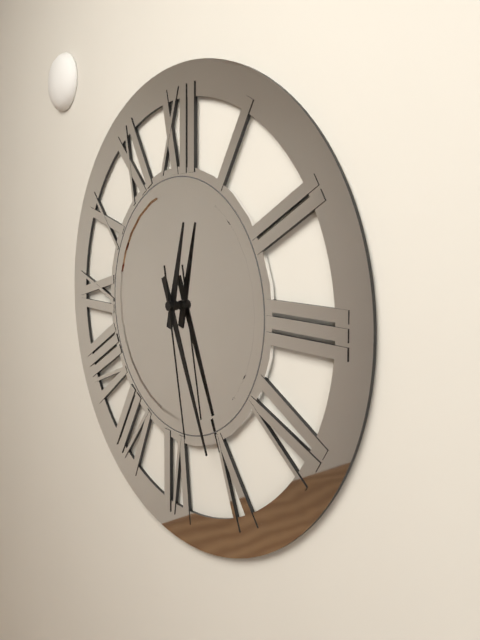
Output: **12:26:28**
